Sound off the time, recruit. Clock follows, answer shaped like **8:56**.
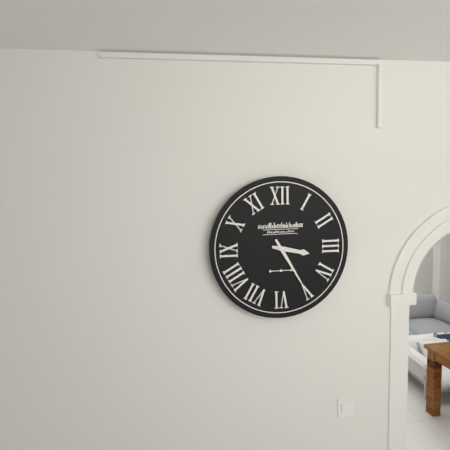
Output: **3:25**
